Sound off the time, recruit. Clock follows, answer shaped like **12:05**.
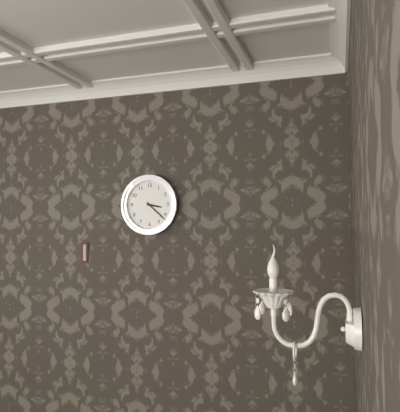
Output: **3:22**
